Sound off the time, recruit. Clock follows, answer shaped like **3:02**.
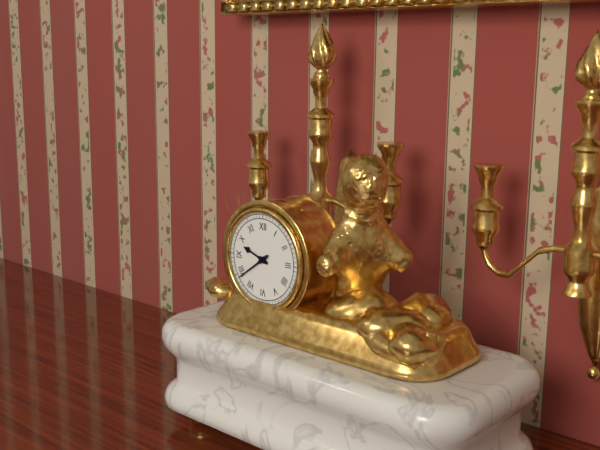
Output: **9:39**
